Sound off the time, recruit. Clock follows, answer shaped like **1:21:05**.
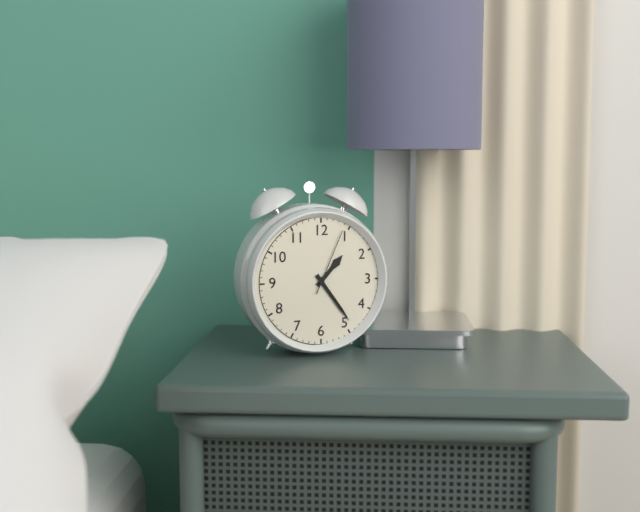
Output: **1:24:04**
